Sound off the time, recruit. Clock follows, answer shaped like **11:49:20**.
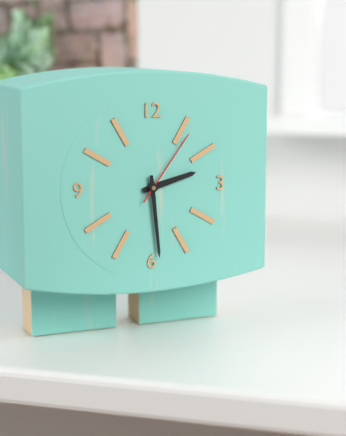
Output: **2:29:06**
